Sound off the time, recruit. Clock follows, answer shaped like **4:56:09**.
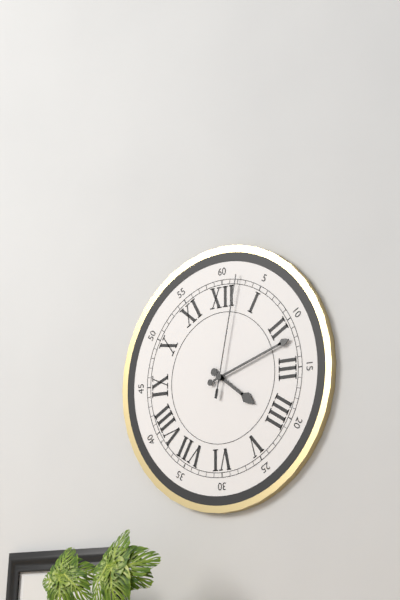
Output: **4:12:02**
